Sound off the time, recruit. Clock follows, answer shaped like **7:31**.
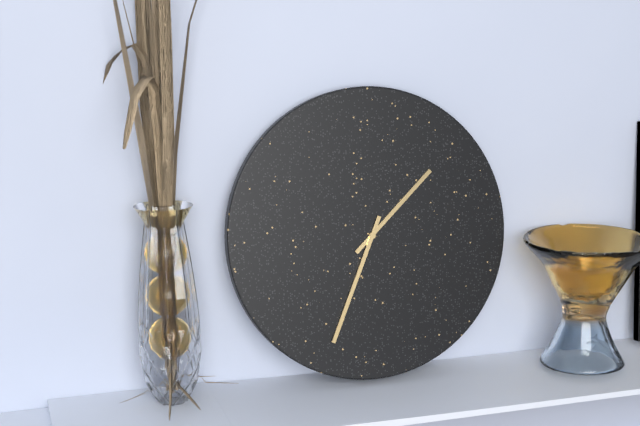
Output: **1:34**
